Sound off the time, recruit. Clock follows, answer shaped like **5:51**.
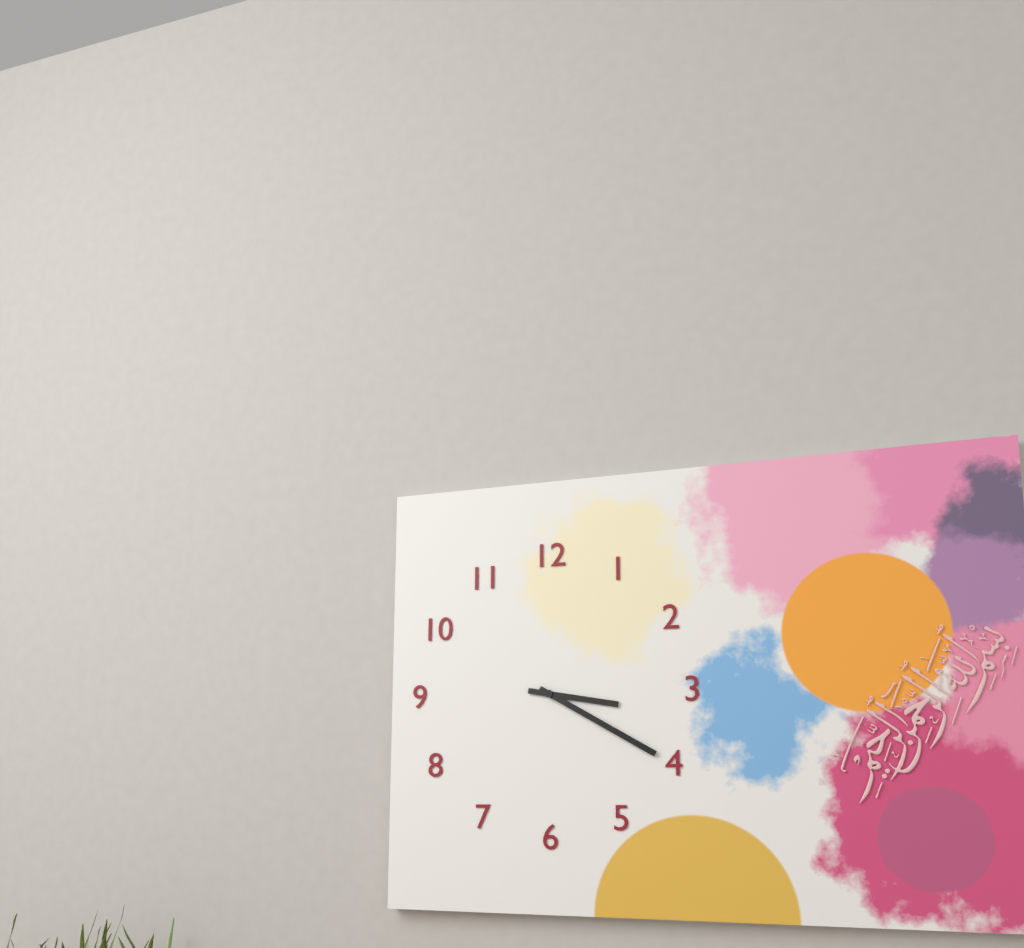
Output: **3:20**
